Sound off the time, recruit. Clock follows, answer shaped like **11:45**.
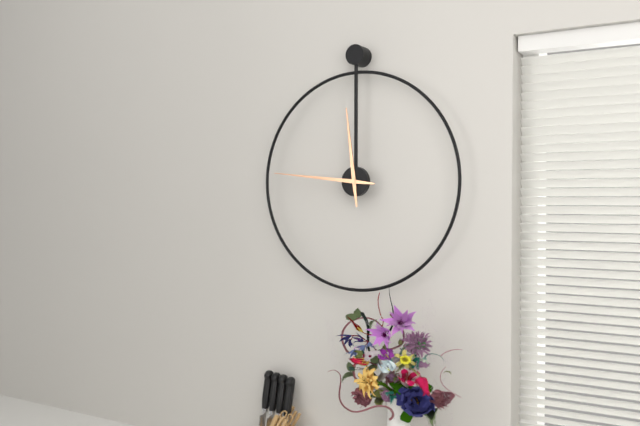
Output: **11:46**
